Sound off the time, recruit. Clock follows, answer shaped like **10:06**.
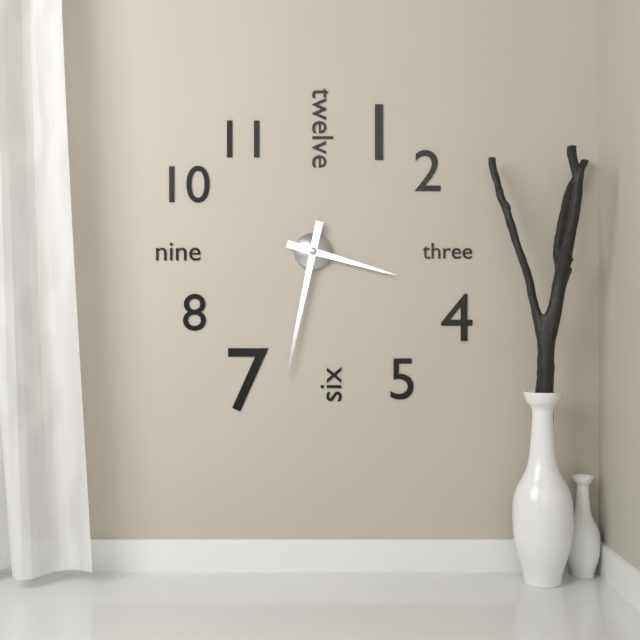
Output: **3:32**
